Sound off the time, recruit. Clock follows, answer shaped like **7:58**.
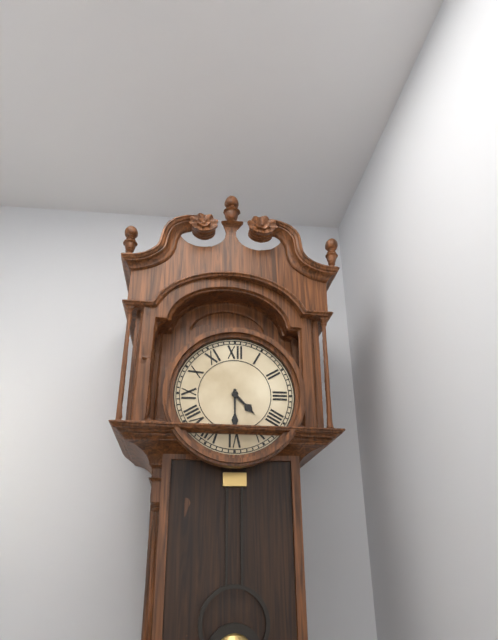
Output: **4:30**
